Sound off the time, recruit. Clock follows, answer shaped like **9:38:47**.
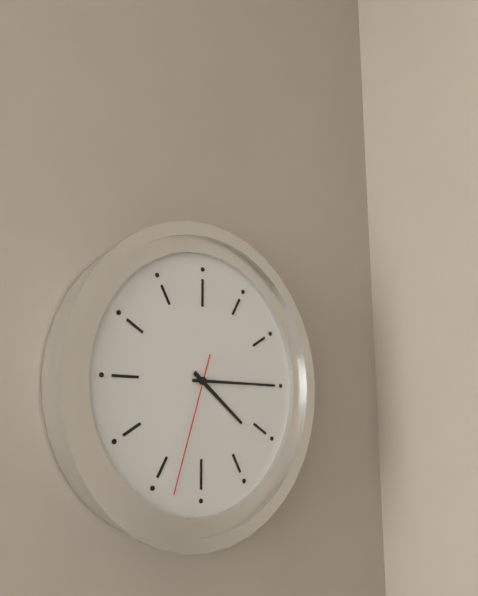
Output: **4:15:33**
